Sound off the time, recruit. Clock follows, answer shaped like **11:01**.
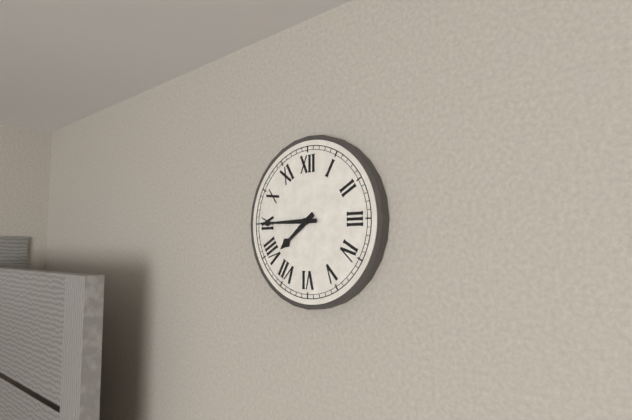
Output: **7:45**
